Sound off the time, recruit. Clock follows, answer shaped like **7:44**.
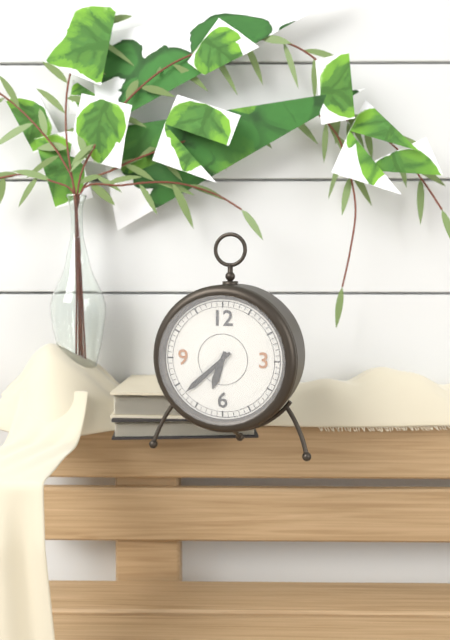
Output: **6:38**
